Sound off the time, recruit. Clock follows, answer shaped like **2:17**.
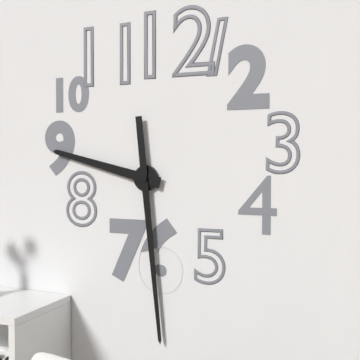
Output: **9:29**
